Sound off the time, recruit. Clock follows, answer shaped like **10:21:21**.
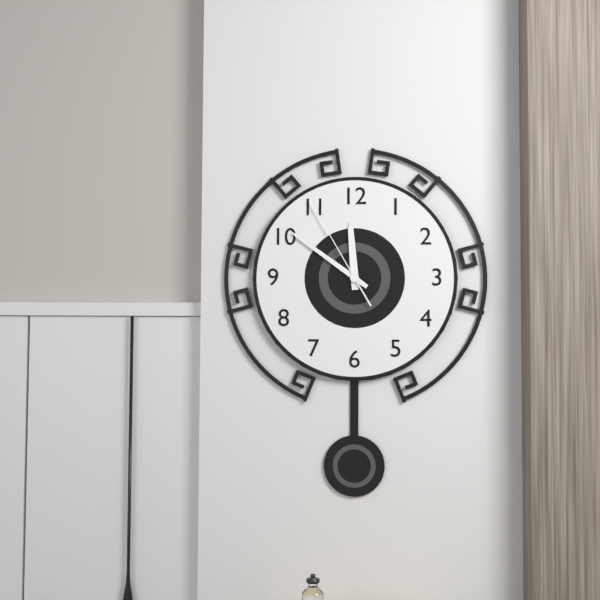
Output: **11:51:55**
